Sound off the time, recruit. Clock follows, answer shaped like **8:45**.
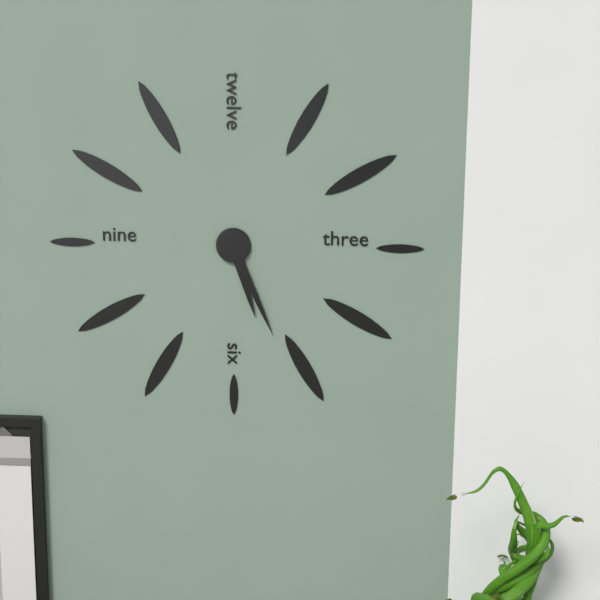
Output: **5:26**
